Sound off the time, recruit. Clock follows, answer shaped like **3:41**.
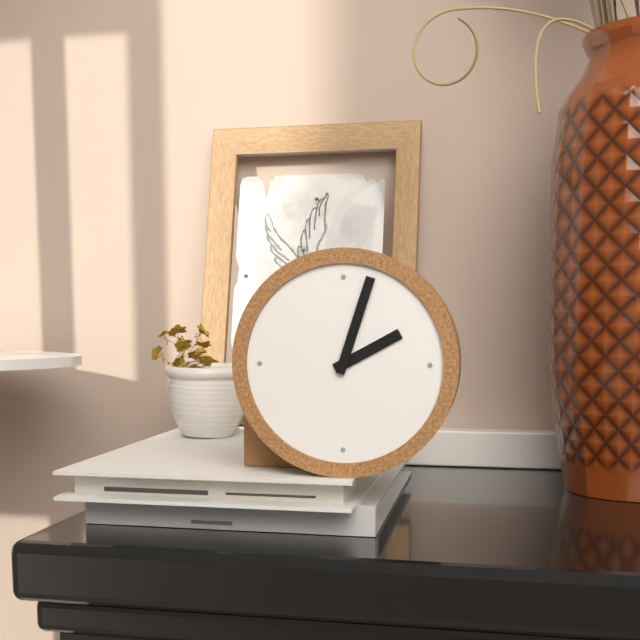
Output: **2:03**
